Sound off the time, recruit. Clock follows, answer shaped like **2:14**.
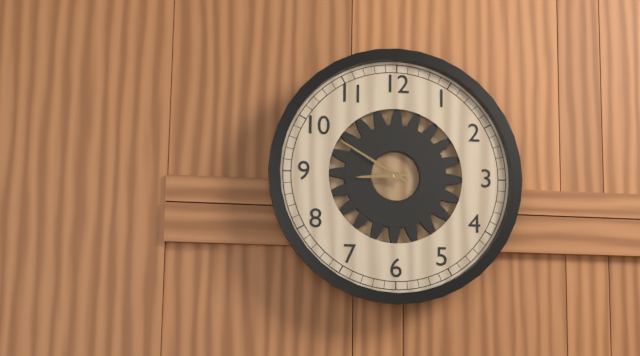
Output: **8:50**
